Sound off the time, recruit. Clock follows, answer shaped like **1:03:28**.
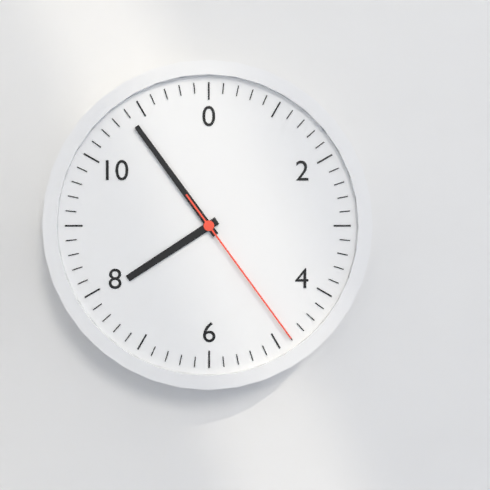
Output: **7:54:24**
